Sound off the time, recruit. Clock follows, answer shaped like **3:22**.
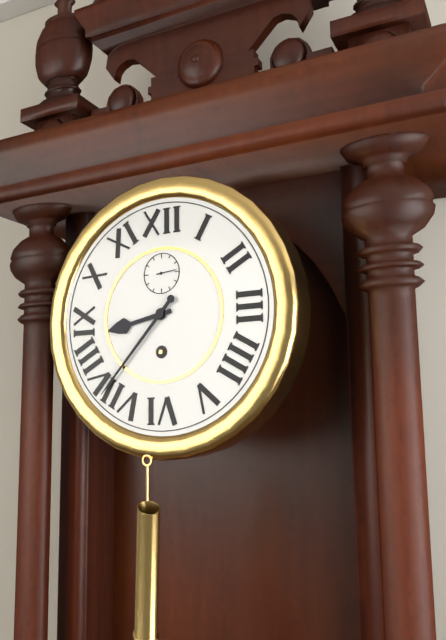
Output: **8:37**
